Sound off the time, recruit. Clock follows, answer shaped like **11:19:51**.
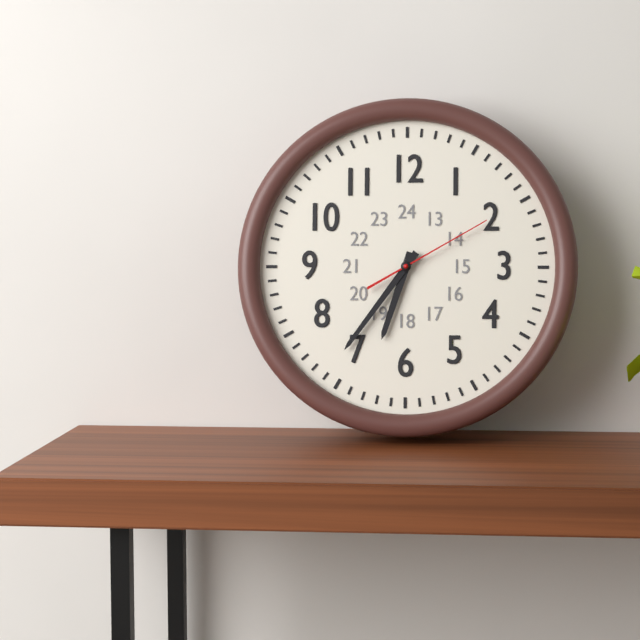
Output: **6:36:10**
